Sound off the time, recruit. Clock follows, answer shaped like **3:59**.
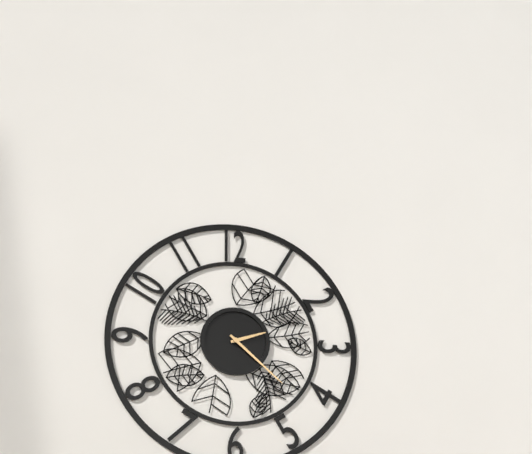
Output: **2:22**
